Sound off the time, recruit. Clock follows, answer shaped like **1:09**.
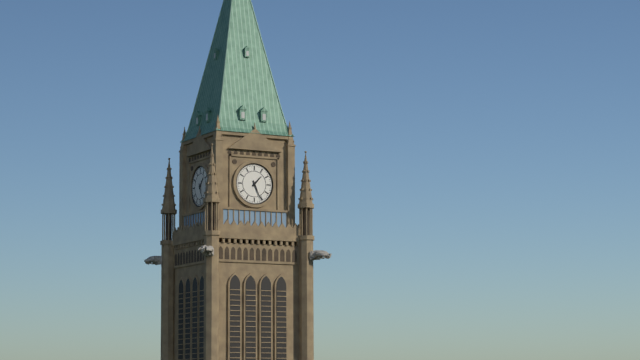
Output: **1:26**
